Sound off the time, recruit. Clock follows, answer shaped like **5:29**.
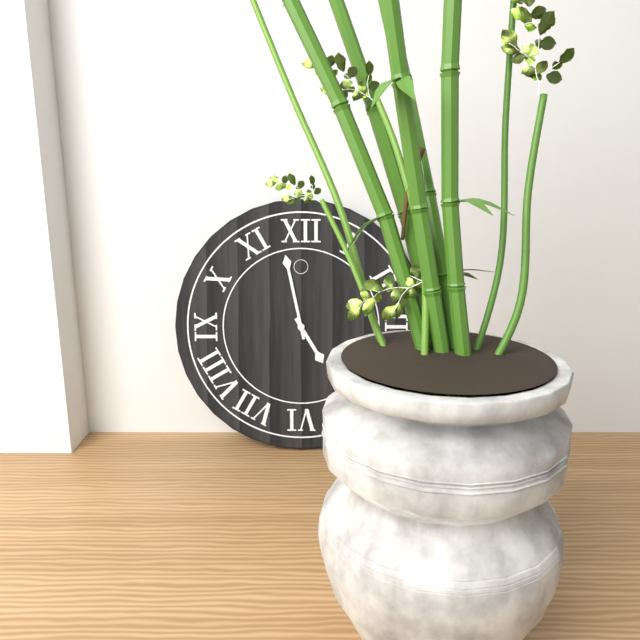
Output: **4:58**
